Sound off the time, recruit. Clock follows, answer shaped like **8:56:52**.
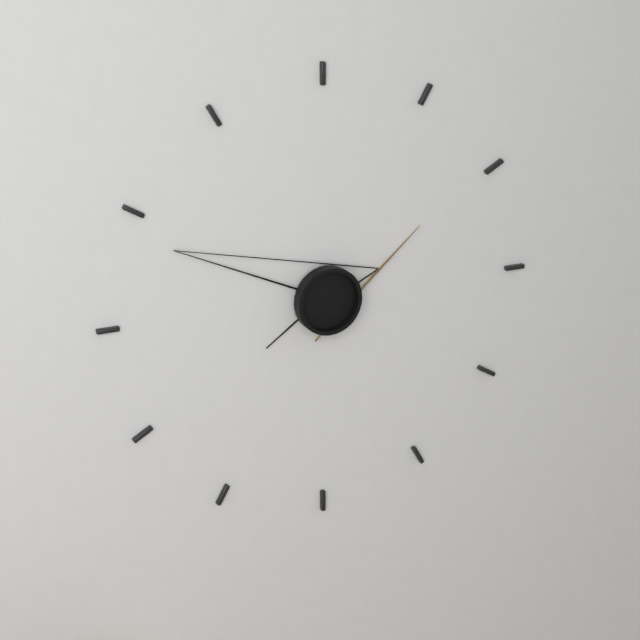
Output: **7:49:10**
